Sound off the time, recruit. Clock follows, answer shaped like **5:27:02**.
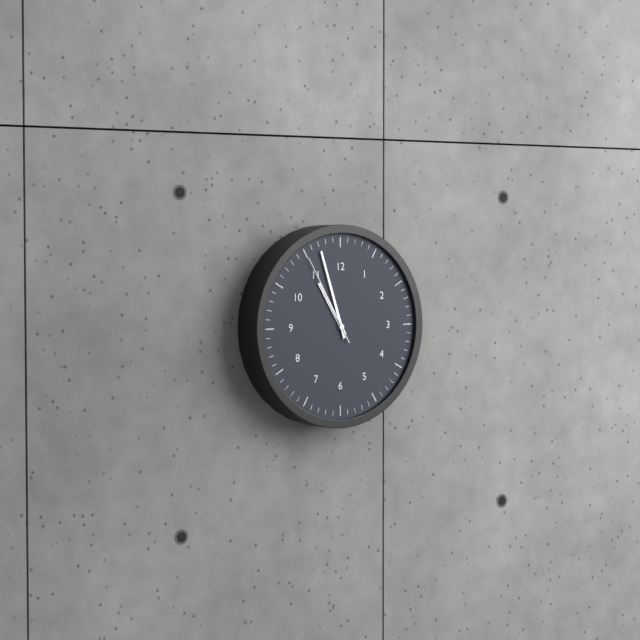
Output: **10:57:55**
